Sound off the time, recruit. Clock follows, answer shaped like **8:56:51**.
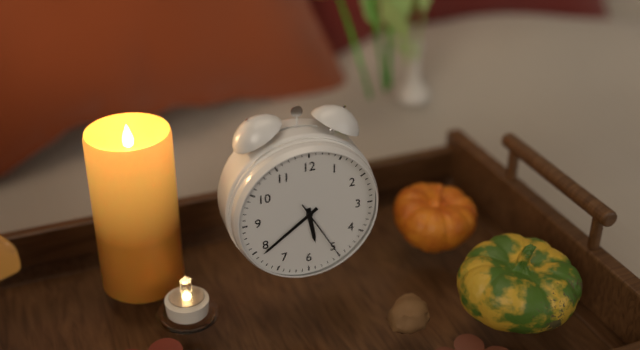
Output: **5:39:25**
